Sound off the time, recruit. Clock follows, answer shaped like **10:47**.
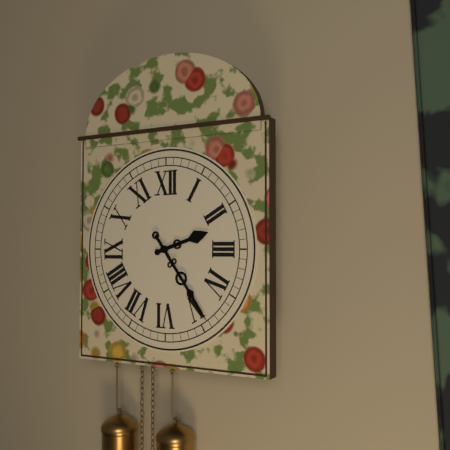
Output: **2:24**
